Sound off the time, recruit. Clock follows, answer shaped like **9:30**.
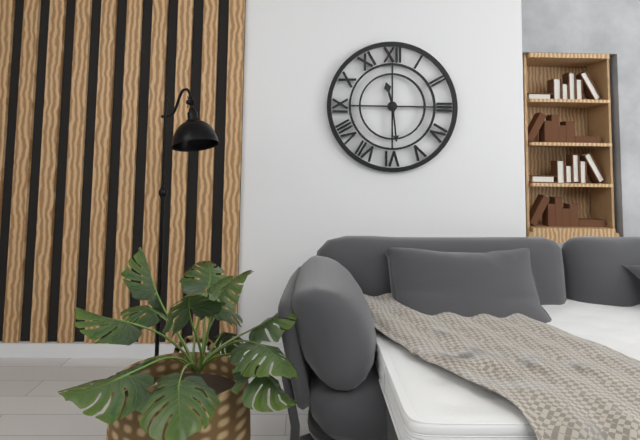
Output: **11:29**
